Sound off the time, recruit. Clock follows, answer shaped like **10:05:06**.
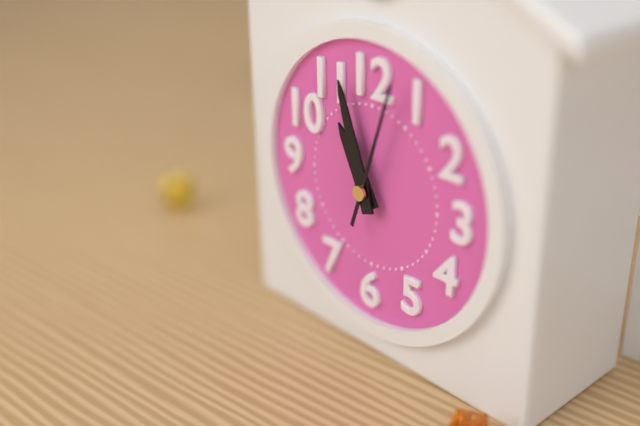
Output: **10:57:03**
